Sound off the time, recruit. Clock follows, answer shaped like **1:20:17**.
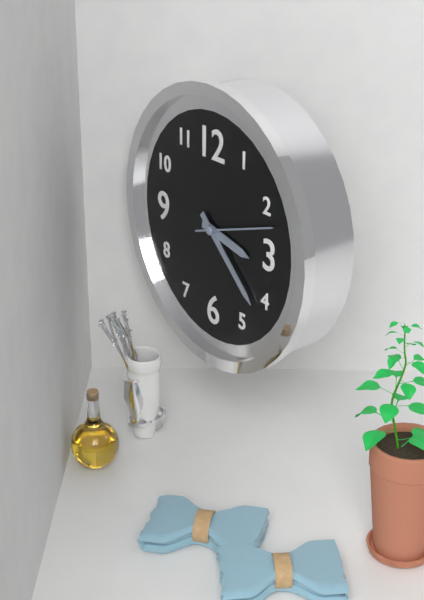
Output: **3:22:12**
